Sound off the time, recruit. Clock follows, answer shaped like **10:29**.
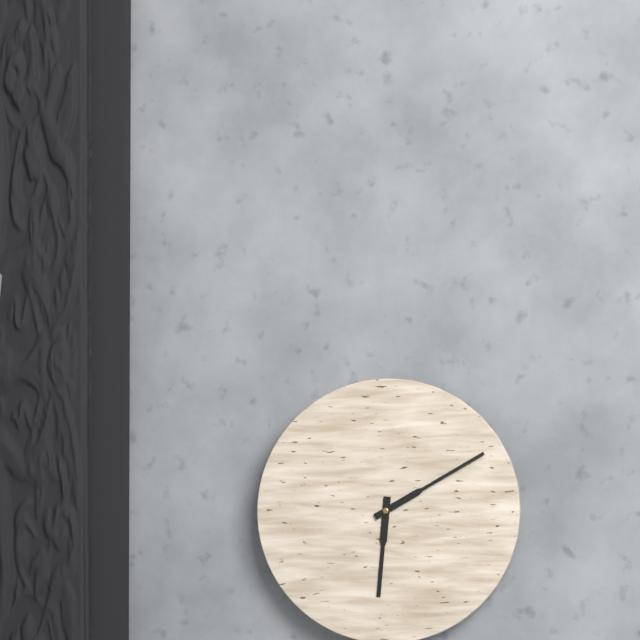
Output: **6:10**
